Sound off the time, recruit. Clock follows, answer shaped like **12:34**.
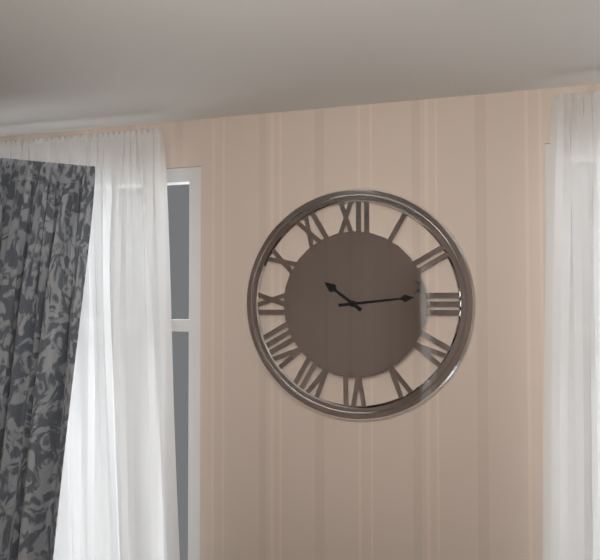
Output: **10:14**
